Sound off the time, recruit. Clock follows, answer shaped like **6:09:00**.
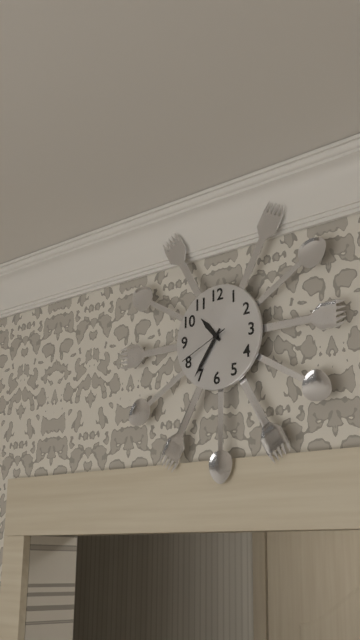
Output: **10:36:41**
